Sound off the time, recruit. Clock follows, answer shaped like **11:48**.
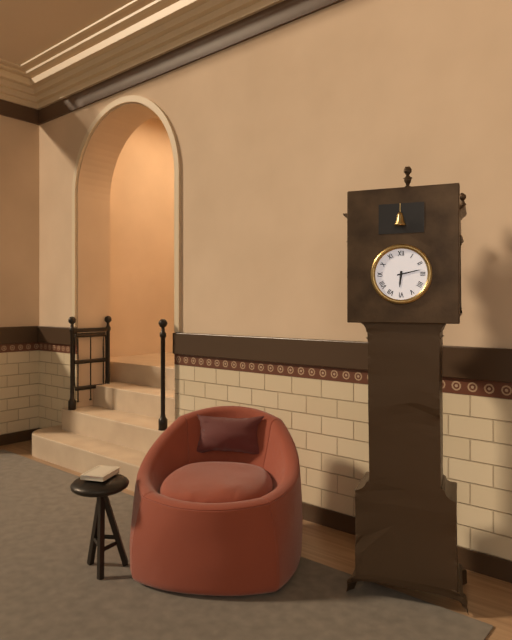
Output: **6:13**
